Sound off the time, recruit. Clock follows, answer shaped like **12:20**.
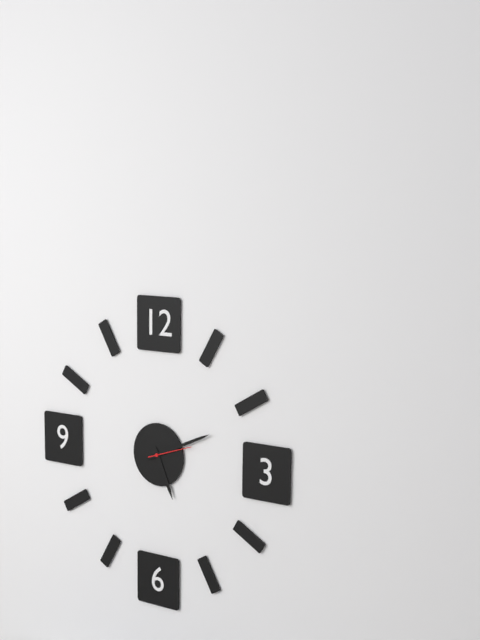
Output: **5:11**
